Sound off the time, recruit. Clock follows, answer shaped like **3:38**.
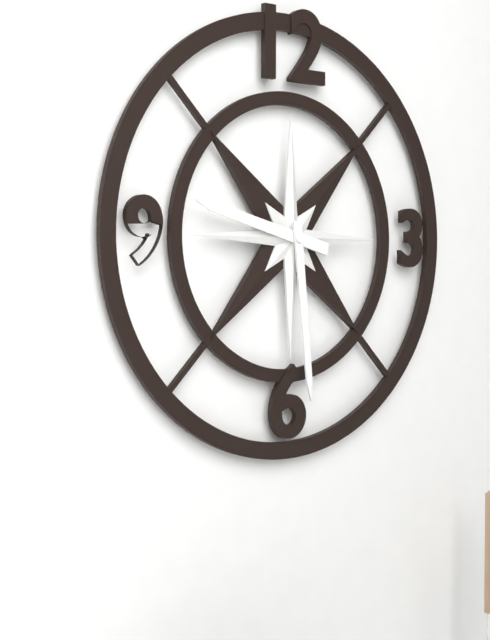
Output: **9:29**
